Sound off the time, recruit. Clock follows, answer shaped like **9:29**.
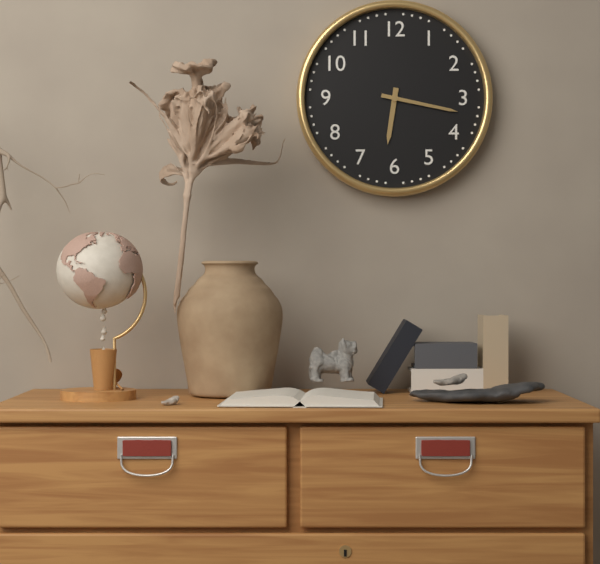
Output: **6:17**
